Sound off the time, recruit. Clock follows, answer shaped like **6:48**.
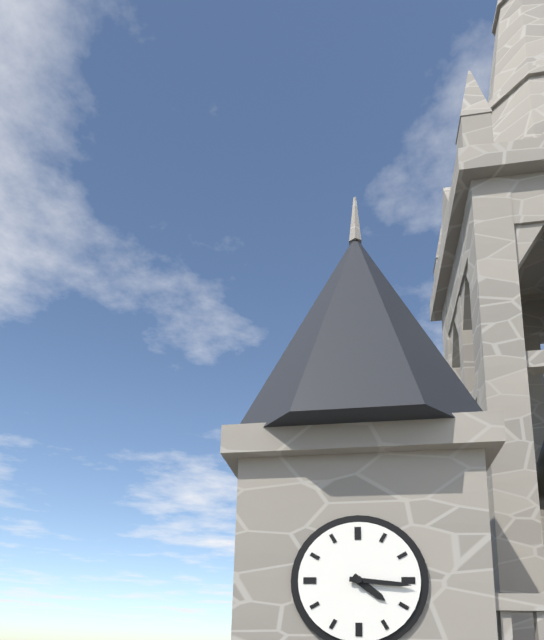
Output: **4:16**
